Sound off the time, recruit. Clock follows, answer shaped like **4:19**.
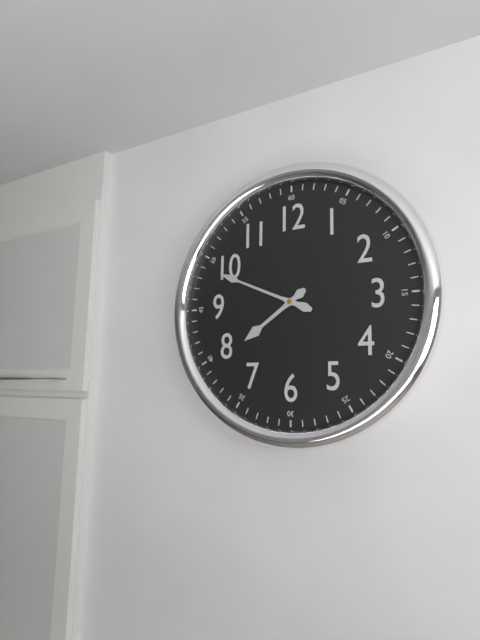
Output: **7:49**
